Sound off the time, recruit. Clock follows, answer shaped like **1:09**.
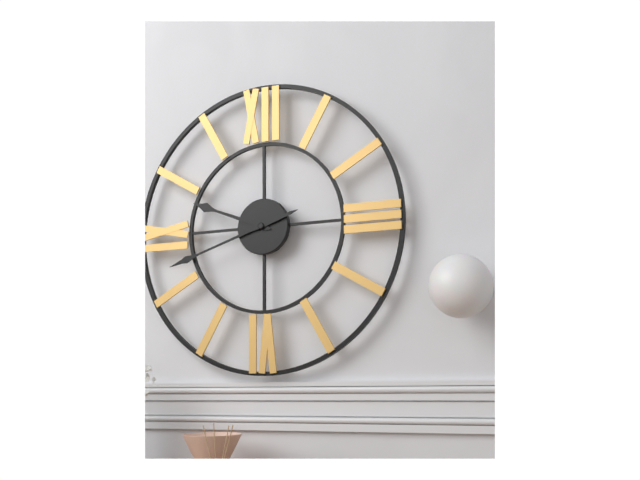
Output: **9:42**
